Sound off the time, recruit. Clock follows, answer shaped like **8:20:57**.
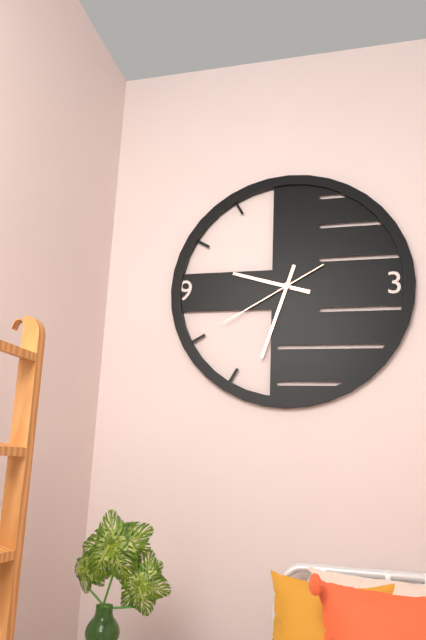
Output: **9:33:40**
